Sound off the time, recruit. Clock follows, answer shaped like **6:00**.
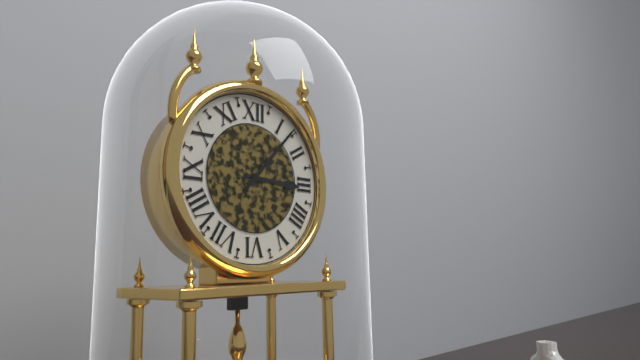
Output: **3:07**
